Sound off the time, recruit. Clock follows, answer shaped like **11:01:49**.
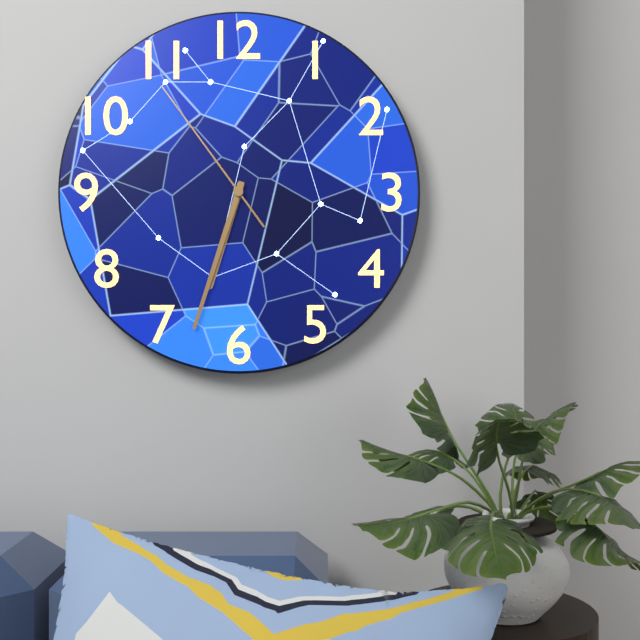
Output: **6:33:54**
